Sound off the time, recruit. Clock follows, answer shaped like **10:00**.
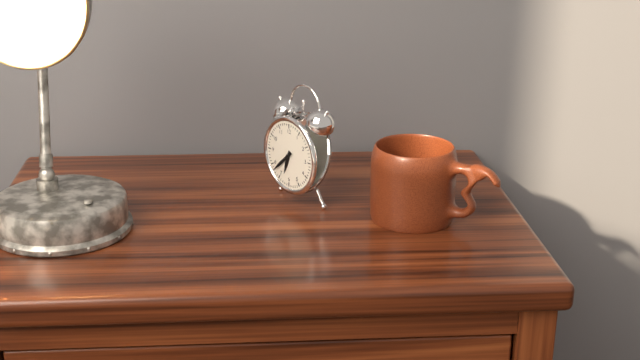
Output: **6:38**
